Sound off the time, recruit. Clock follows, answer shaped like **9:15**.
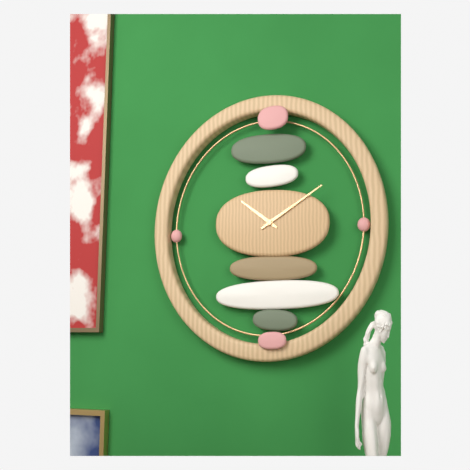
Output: **10:10**
